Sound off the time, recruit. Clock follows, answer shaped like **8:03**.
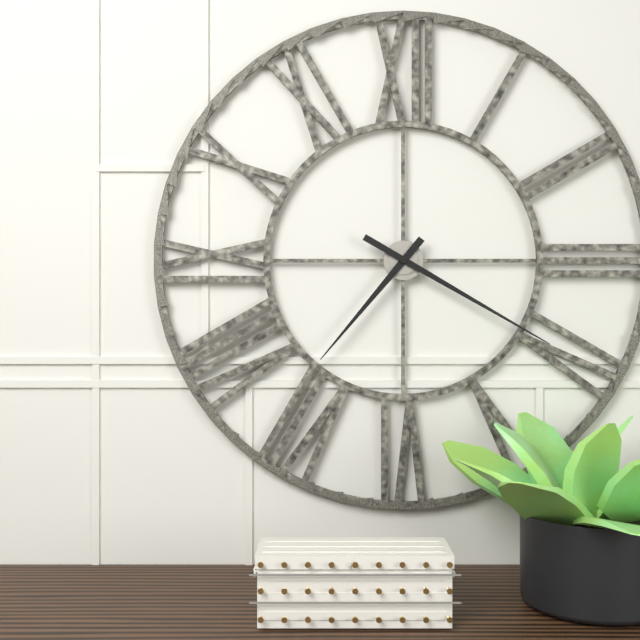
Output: **7:20**
